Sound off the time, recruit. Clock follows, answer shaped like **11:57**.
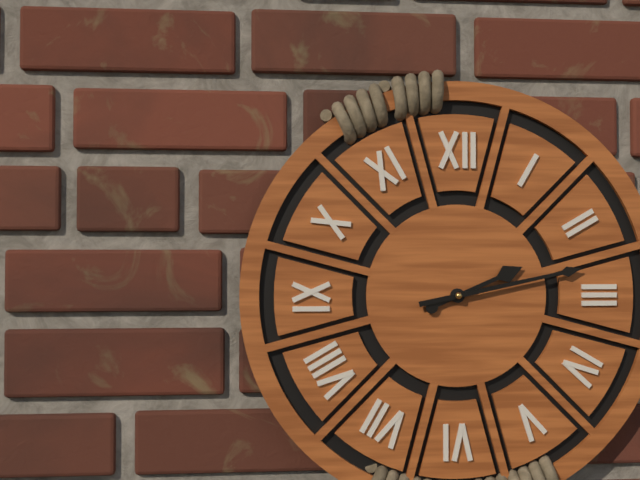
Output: **2:13**
